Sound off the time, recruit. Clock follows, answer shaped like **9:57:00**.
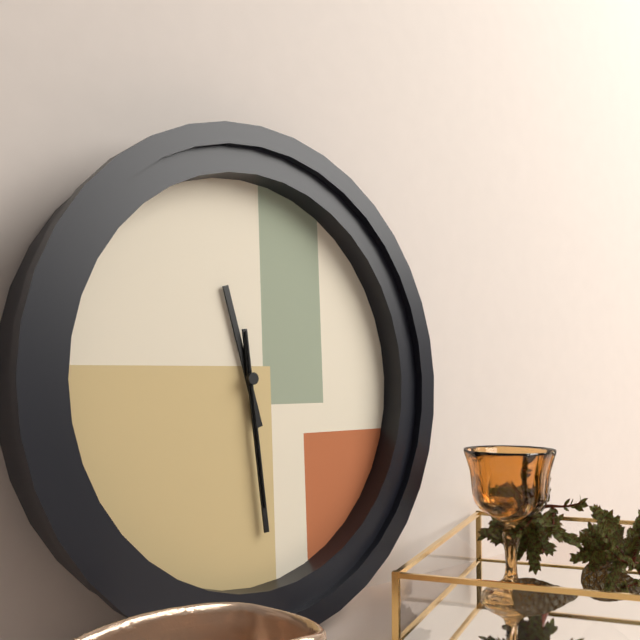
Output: **11:29:29**
